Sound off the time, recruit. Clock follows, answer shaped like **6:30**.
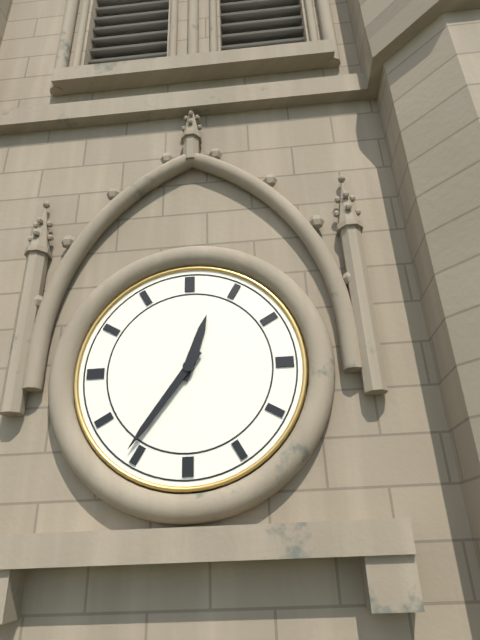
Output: **12:36**
